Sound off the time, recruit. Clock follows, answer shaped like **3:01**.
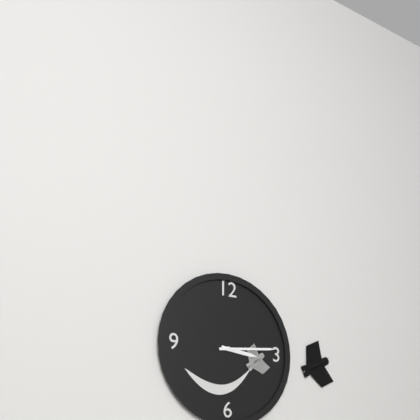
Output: **3:14**
